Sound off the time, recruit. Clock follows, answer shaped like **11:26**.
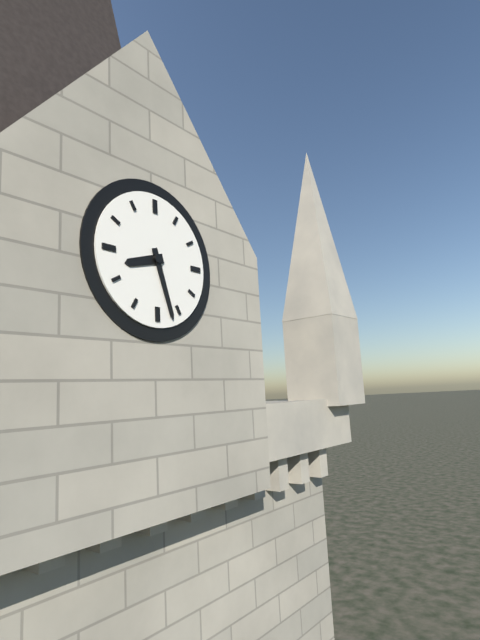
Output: **8:27**
